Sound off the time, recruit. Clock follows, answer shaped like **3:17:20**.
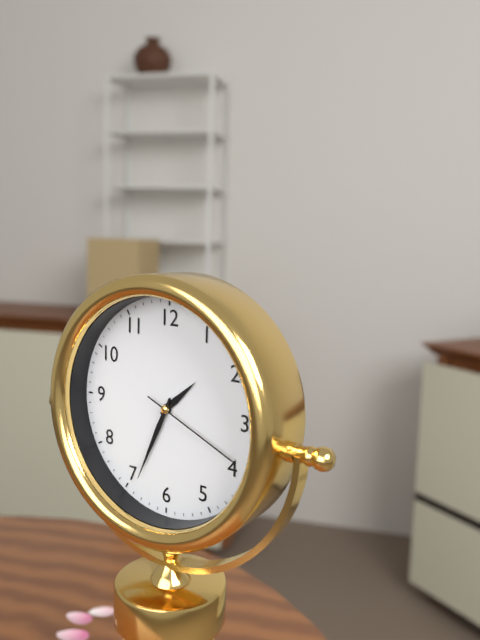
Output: **1:34:19**
